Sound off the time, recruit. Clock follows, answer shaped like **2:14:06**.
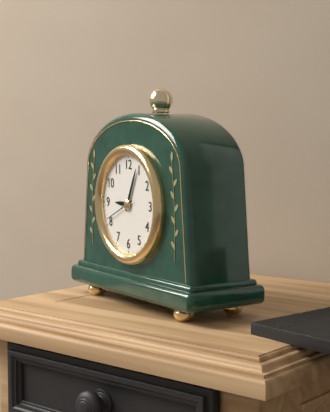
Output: **9:04:41**
